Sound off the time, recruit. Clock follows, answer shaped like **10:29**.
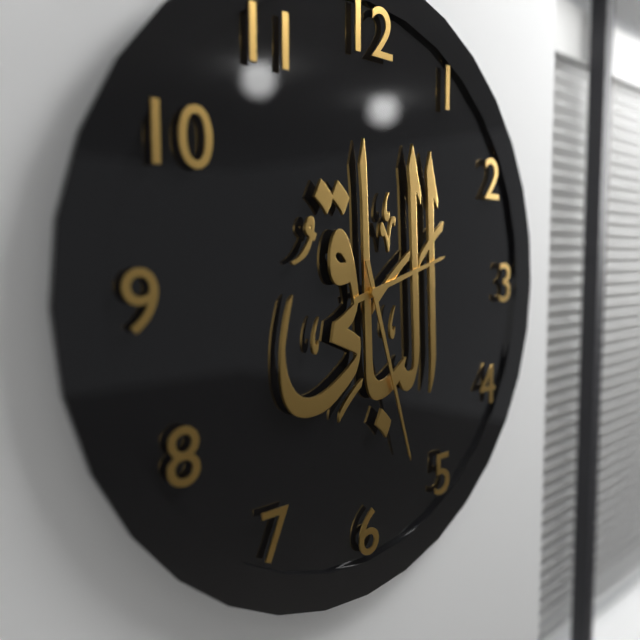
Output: **2:27**
